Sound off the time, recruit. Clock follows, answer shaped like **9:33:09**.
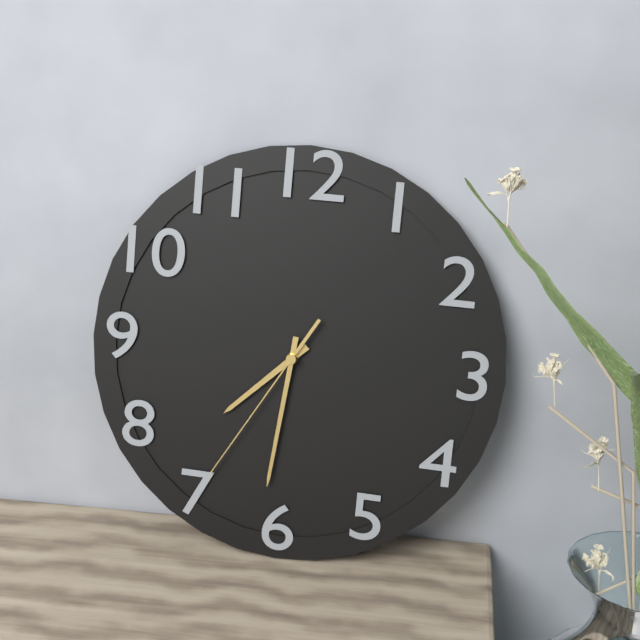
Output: **7:31:35**
